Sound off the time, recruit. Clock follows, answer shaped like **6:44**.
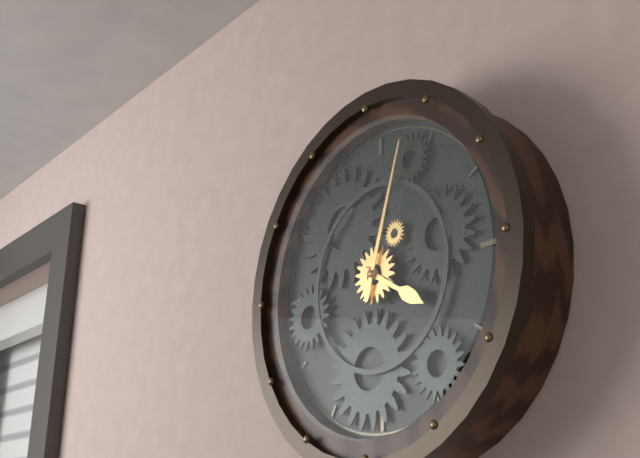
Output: **4:03**
